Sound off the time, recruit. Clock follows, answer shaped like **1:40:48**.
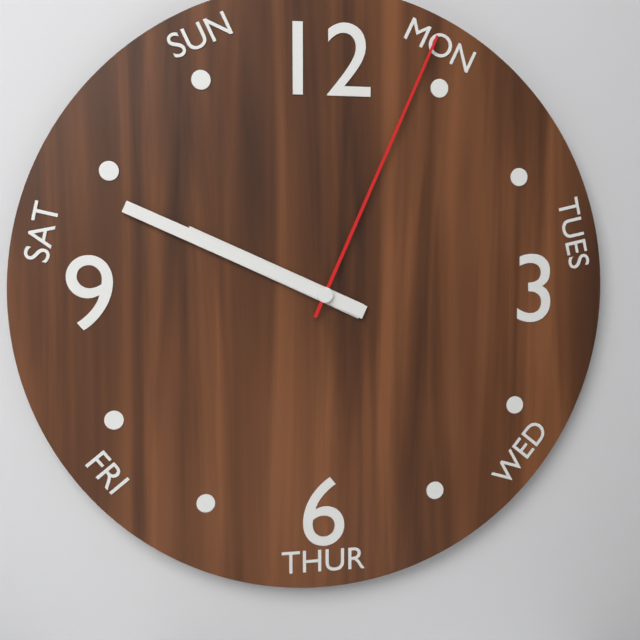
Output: **9:49:04**
